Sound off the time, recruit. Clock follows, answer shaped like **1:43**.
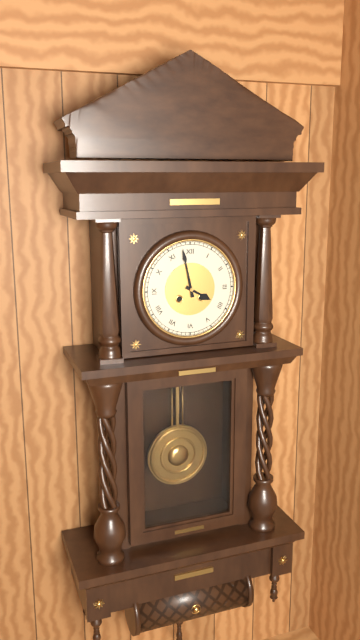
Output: **3:58**
